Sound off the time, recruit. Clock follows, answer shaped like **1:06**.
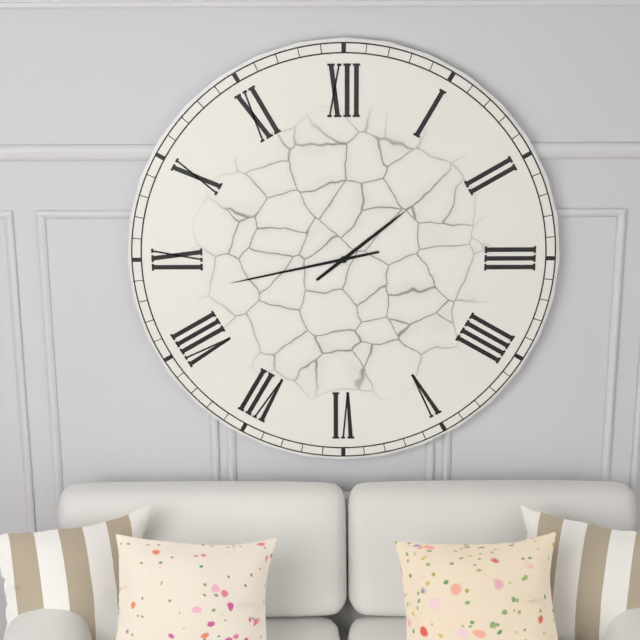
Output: **1:43**
